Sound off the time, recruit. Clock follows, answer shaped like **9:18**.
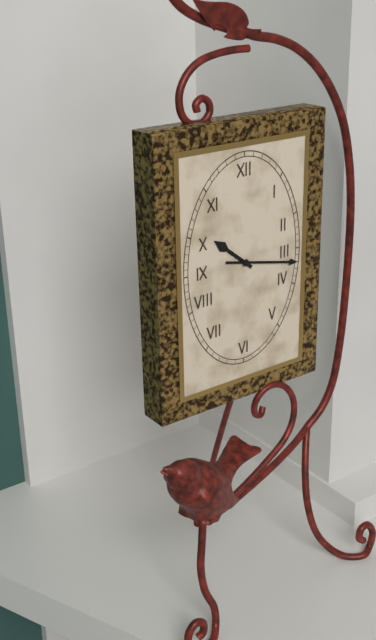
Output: **10:17**
